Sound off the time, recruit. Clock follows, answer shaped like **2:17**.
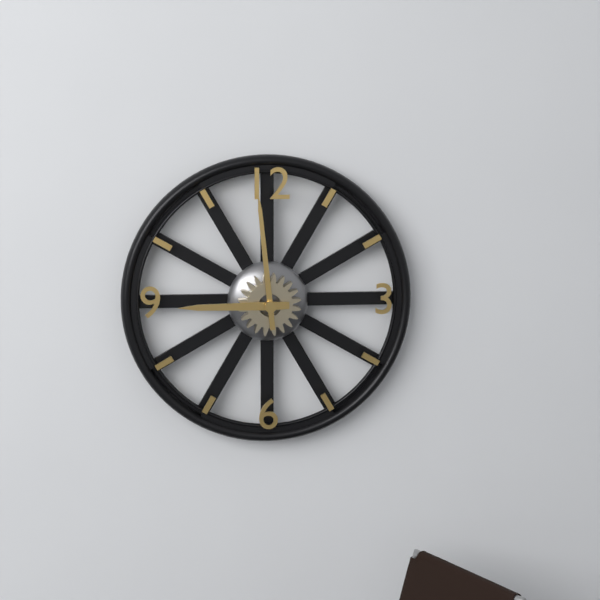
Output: **8:59**
